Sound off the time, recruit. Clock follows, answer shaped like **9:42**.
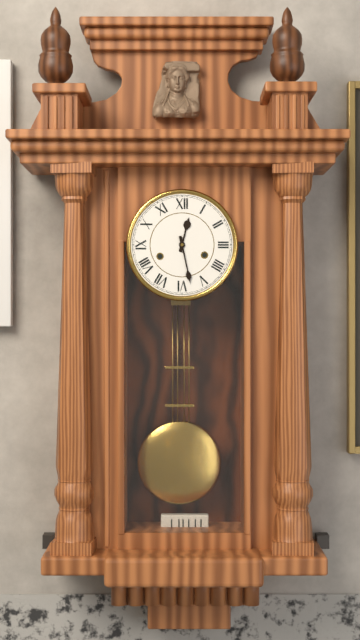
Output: **12:28**
